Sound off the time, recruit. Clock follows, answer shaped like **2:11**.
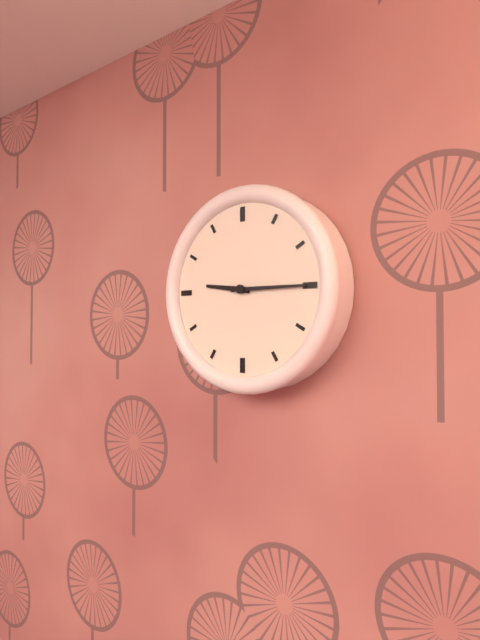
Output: **9:15**
